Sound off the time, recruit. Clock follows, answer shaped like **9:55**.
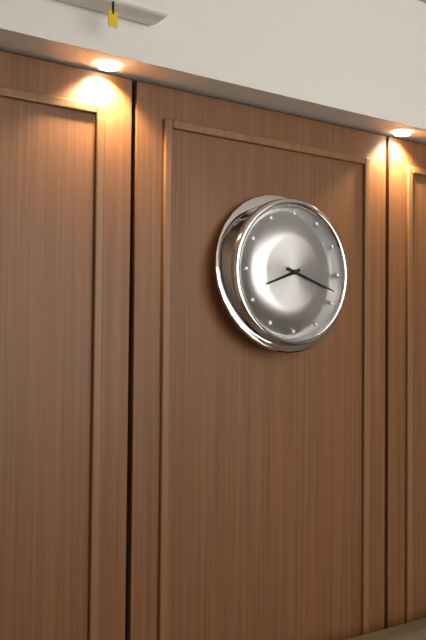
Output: **8:18**
